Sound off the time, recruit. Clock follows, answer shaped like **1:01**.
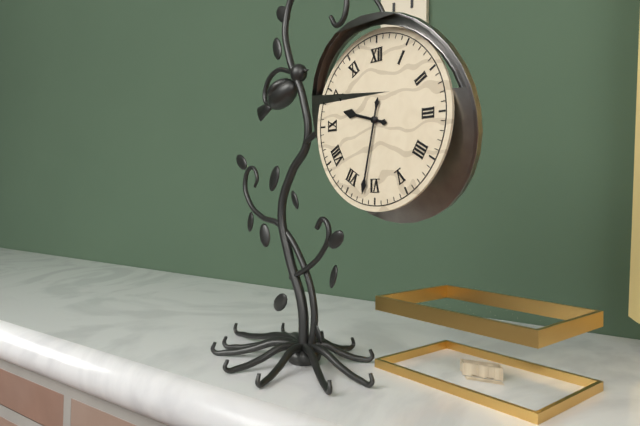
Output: **9:32**
